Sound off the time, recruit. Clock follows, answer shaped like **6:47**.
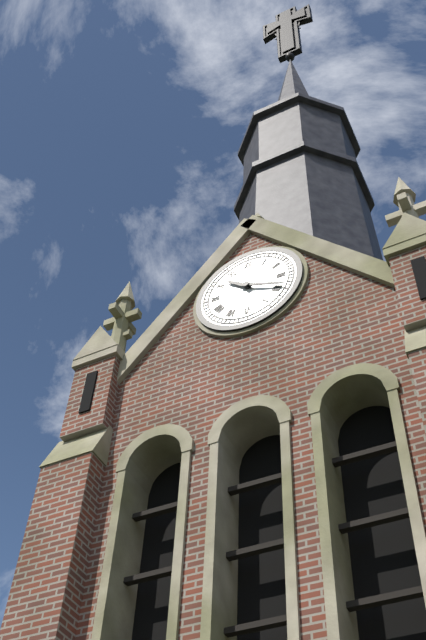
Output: **10:19**
